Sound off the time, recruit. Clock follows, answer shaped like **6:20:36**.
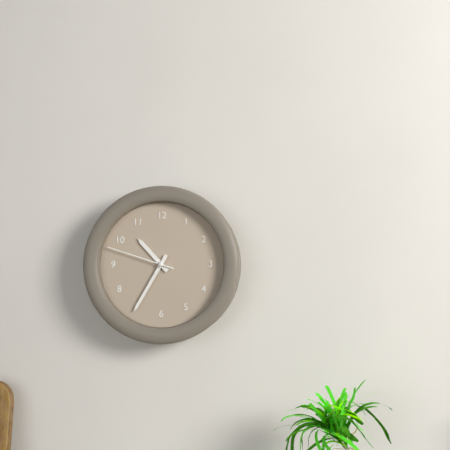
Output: **10:35:48**
